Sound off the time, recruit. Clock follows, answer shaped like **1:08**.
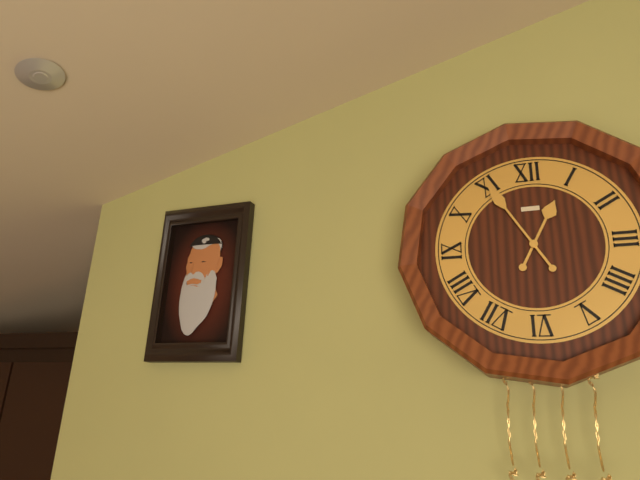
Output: **12:55**
